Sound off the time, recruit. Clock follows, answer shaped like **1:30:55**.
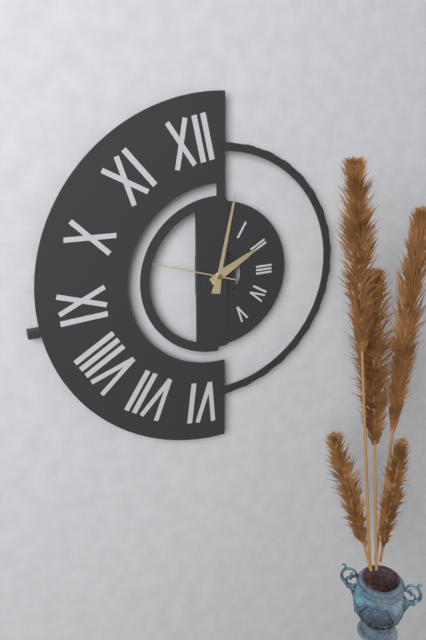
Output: **2:02:48**
